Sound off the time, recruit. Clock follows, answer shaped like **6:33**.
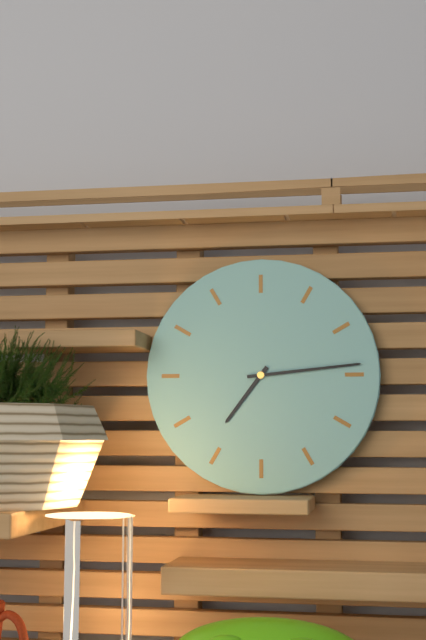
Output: **7:14**
